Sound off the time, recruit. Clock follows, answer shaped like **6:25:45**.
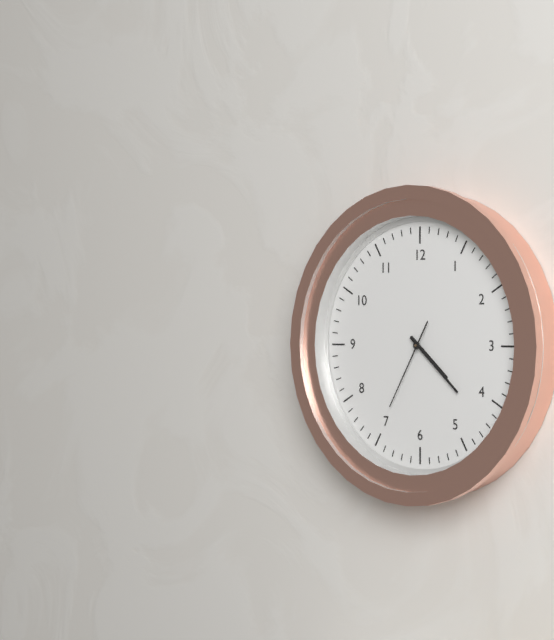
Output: **4:22:35**
